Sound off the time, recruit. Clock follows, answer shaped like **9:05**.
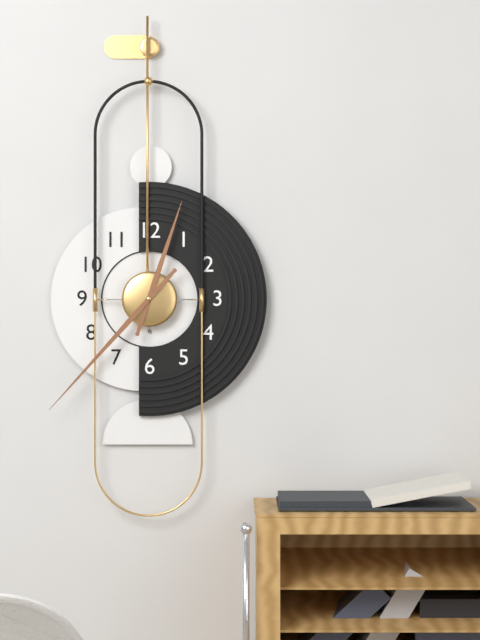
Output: **12:37**
